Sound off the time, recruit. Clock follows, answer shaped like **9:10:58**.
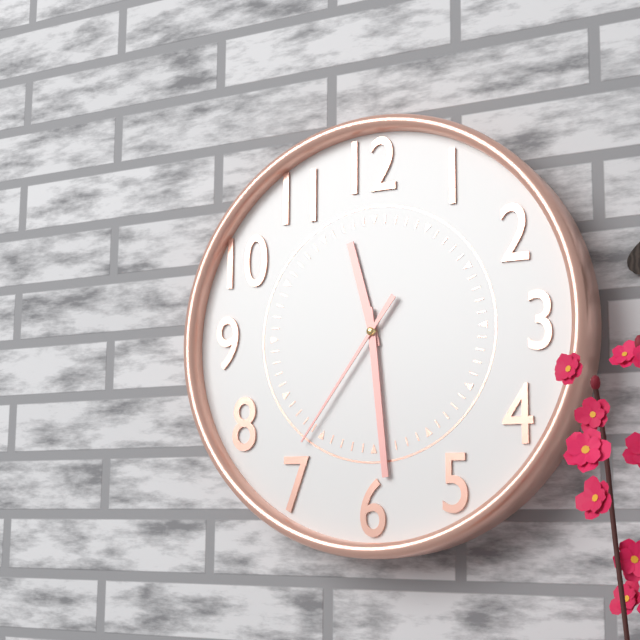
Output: **11:29:36**
